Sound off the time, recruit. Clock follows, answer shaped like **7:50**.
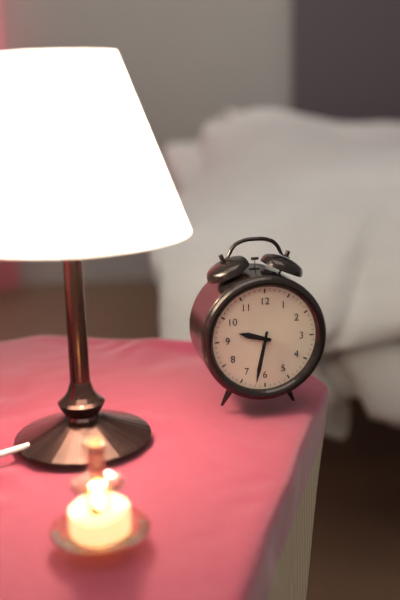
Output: **9:32**
